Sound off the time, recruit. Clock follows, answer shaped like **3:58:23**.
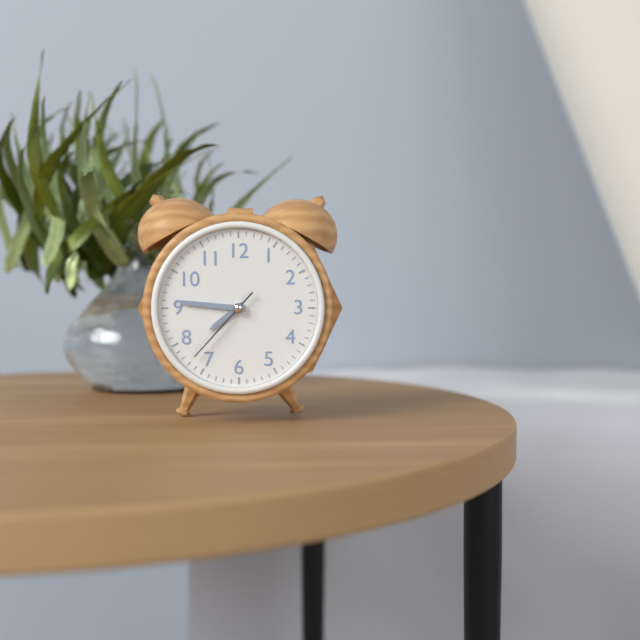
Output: **7:46:37**
